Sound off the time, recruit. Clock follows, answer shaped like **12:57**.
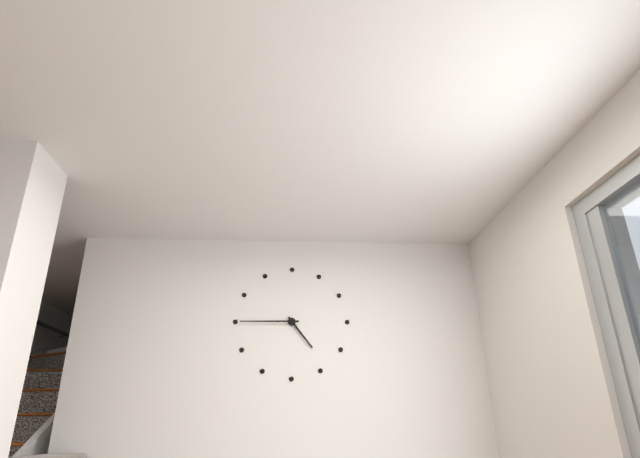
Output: **4:45**
